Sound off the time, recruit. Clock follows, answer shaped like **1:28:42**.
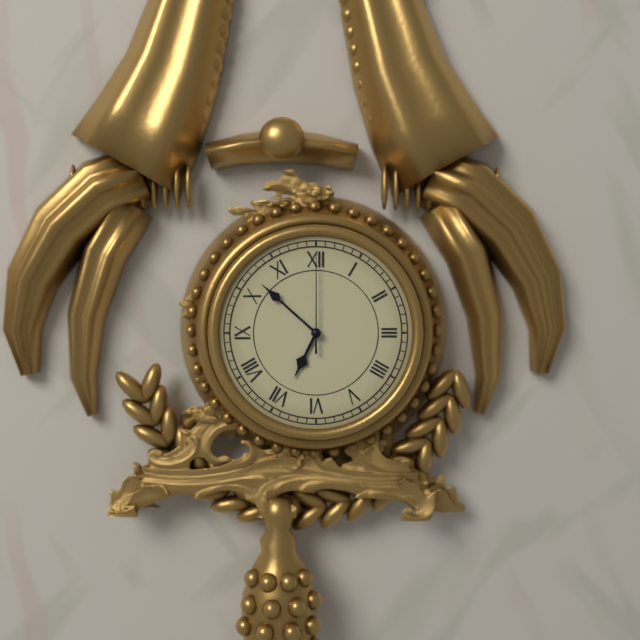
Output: **6:52:00**
